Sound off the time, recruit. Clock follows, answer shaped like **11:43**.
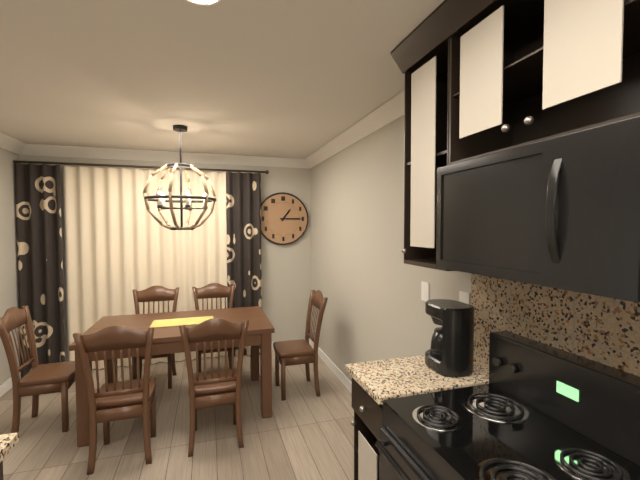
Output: **1:15**
